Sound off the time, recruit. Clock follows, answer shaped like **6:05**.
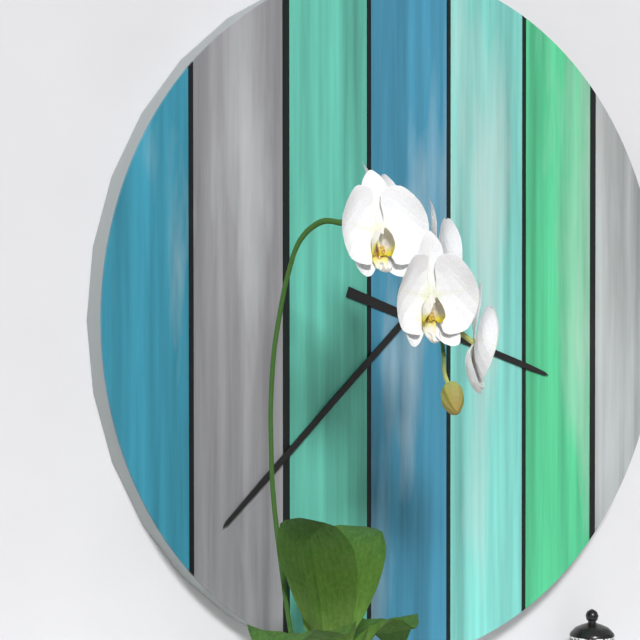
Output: **3:38**
